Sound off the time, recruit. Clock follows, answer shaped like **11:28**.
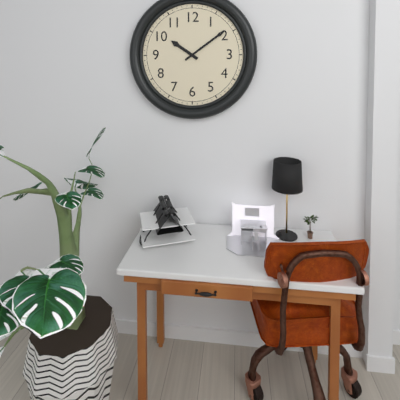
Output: **10:09**
